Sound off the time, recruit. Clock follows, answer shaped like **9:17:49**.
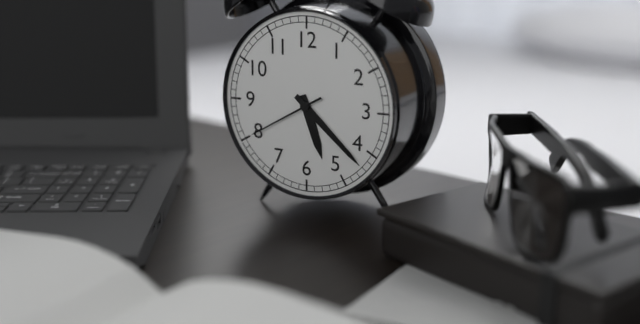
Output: **5:22:40**
